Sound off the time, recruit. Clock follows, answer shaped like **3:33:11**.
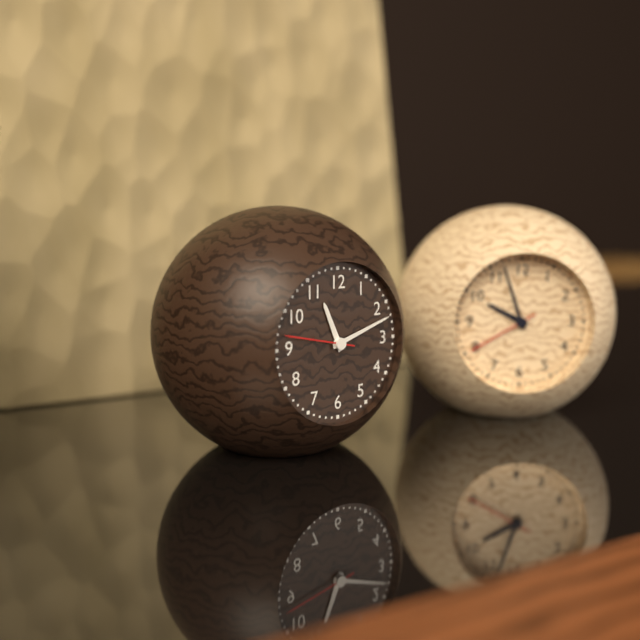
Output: **11:12:47**
